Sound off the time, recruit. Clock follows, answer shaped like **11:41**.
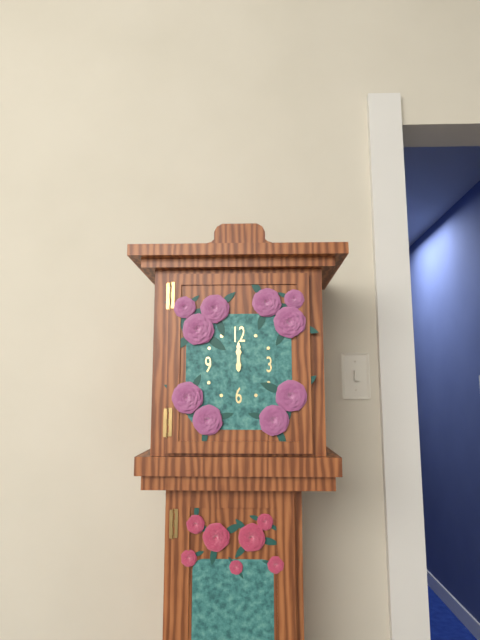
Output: **12:00**
